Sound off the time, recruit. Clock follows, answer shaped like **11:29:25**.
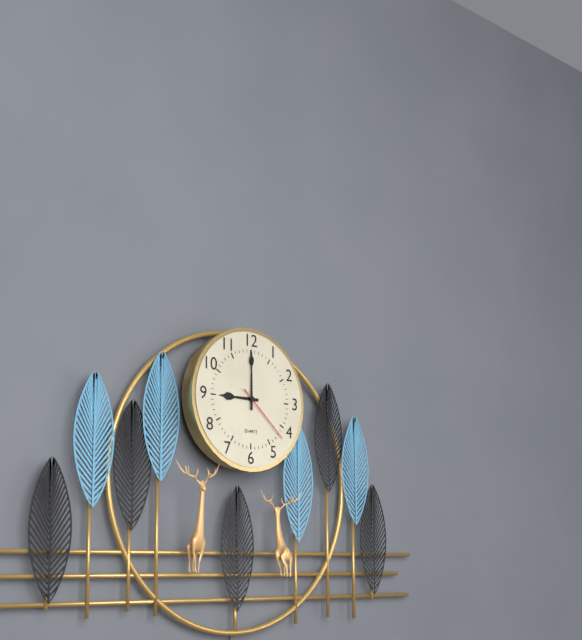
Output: **9:00:22**
